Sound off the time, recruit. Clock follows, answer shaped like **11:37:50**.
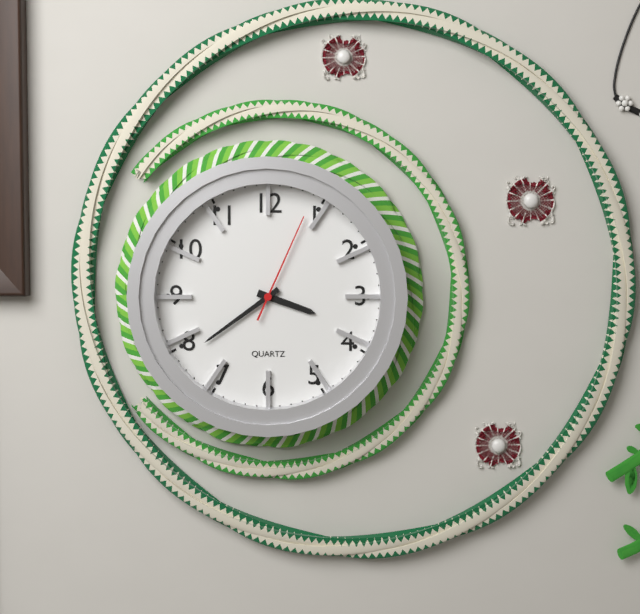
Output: **3:39:04**
